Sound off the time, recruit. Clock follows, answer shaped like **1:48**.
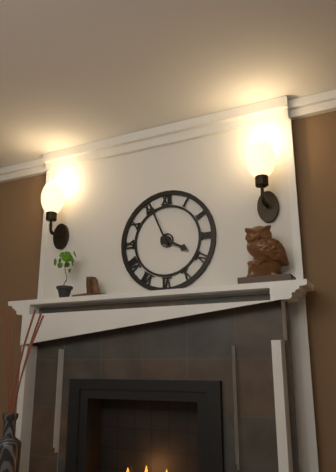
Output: **3:56**
